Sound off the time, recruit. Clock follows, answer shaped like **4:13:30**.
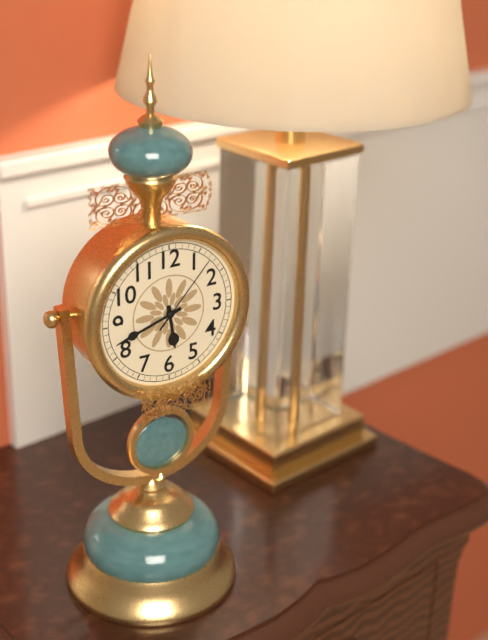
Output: **5:42:07**
